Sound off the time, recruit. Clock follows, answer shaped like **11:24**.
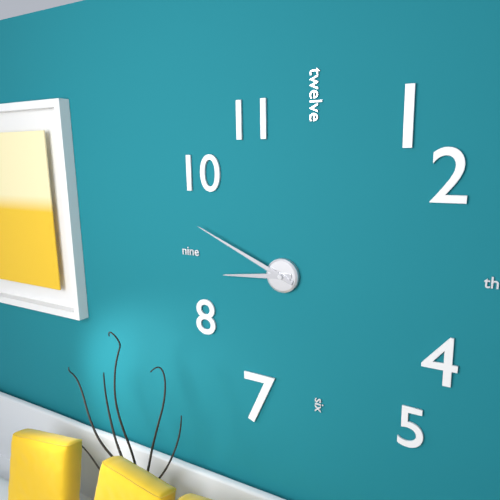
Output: **8:49**
